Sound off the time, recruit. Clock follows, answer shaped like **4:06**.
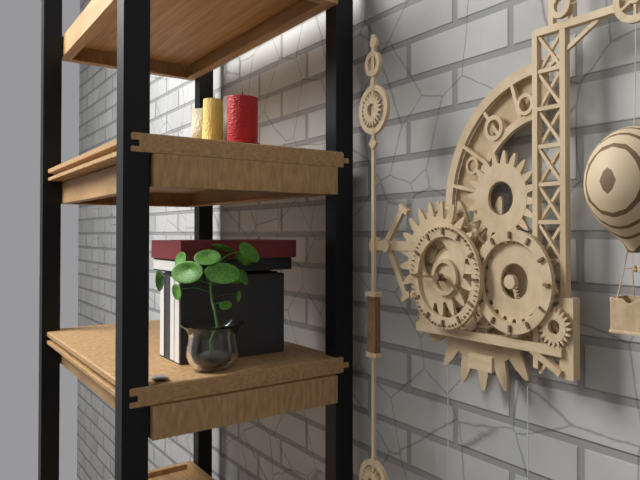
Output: **3:45**
